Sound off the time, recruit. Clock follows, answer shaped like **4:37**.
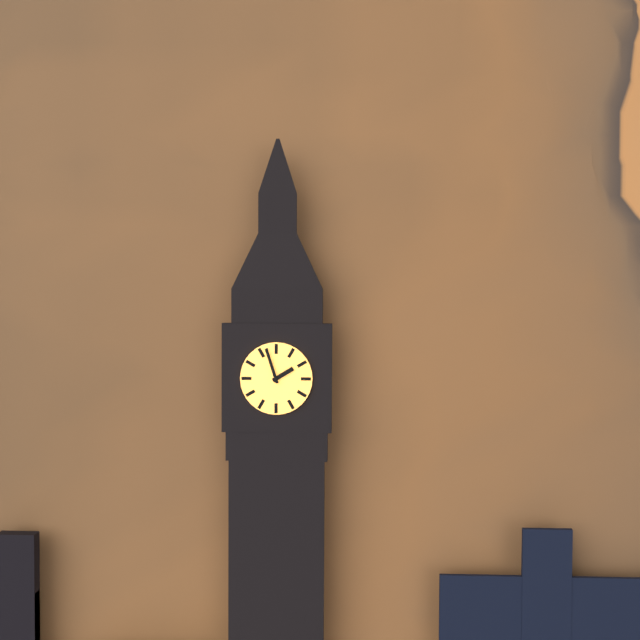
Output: **1:57**
